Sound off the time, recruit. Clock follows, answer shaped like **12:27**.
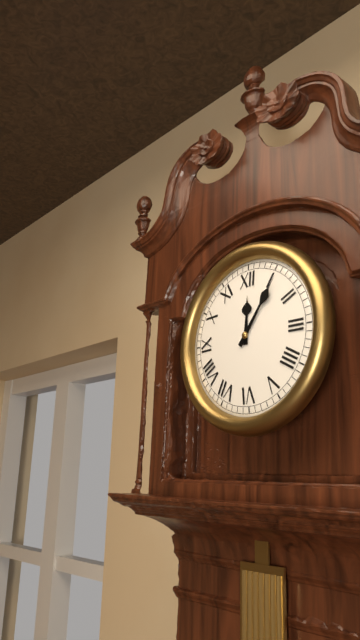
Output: **12:06**
